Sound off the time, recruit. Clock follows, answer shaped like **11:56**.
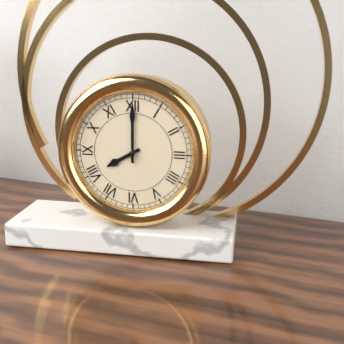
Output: **8:00**
